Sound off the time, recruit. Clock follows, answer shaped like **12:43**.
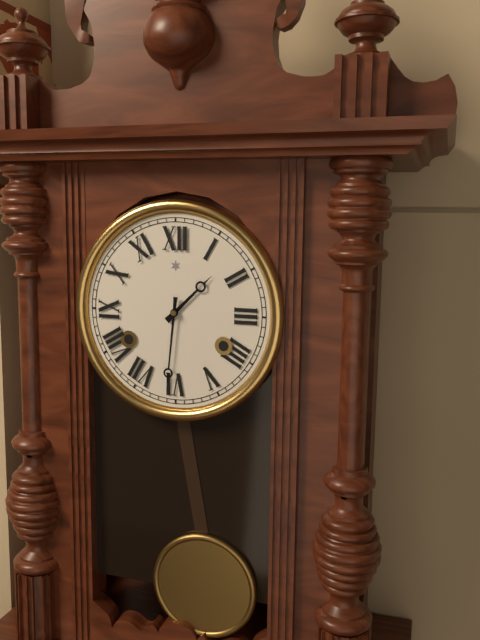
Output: **1:31**
